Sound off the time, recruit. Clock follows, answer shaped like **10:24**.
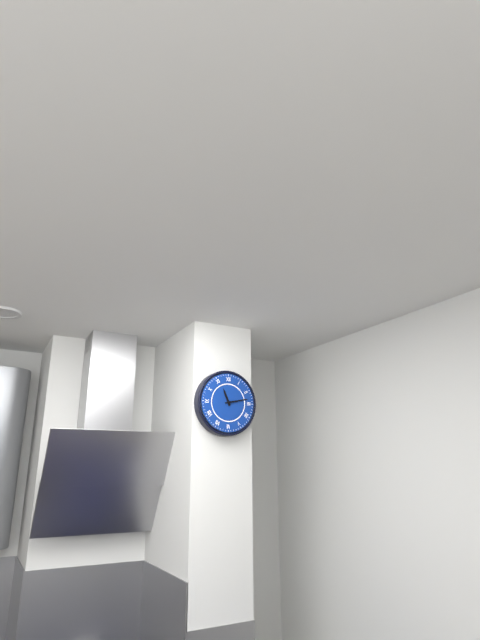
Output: **11:13**
